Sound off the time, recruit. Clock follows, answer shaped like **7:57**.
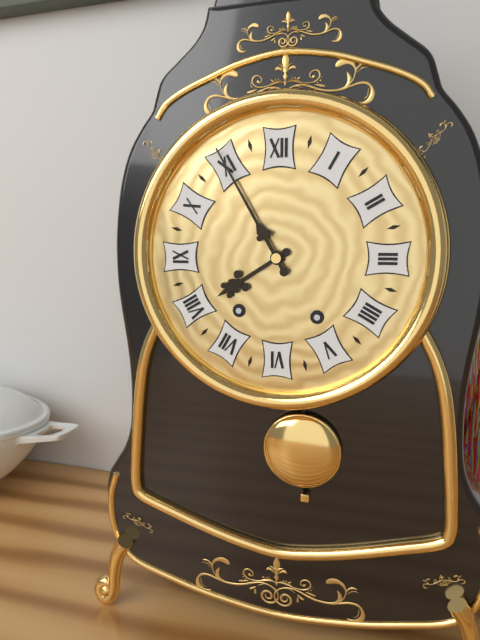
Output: **7:55**
